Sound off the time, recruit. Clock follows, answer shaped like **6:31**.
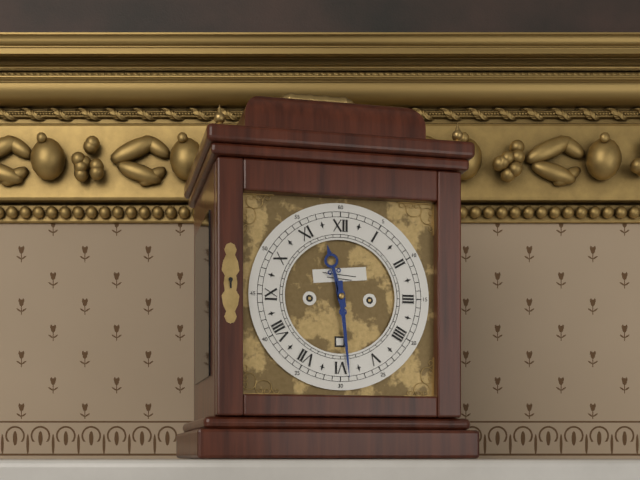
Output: **11:29**
